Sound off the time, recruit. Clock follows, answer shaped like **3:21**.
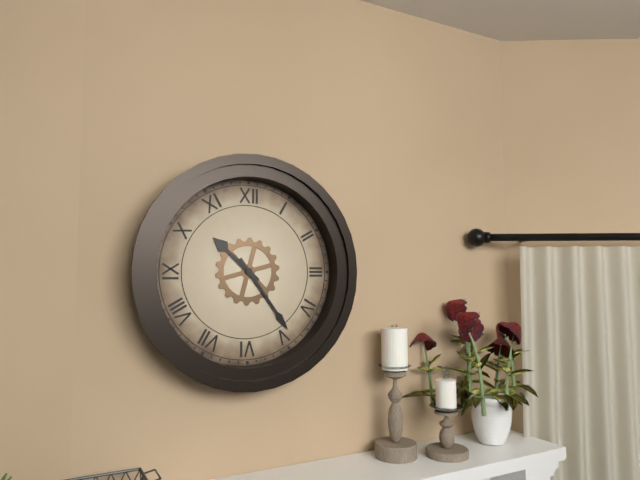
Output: **10:24**
